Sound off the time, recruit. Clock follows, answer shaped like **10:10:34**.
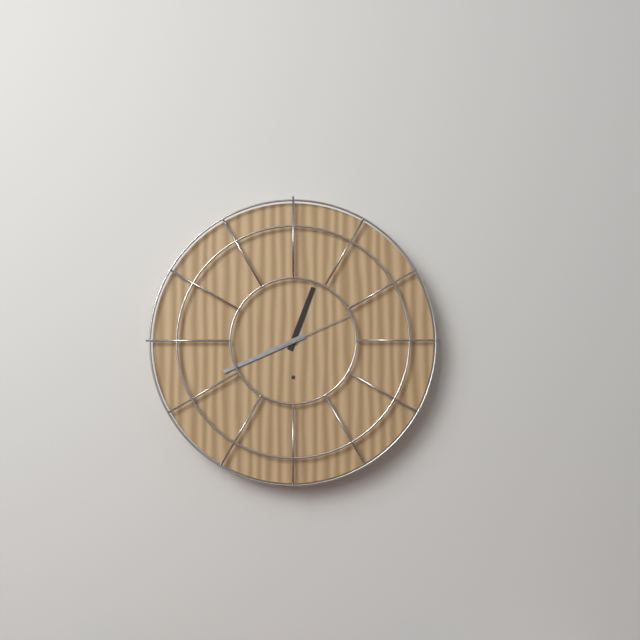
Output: **12:41:11**
